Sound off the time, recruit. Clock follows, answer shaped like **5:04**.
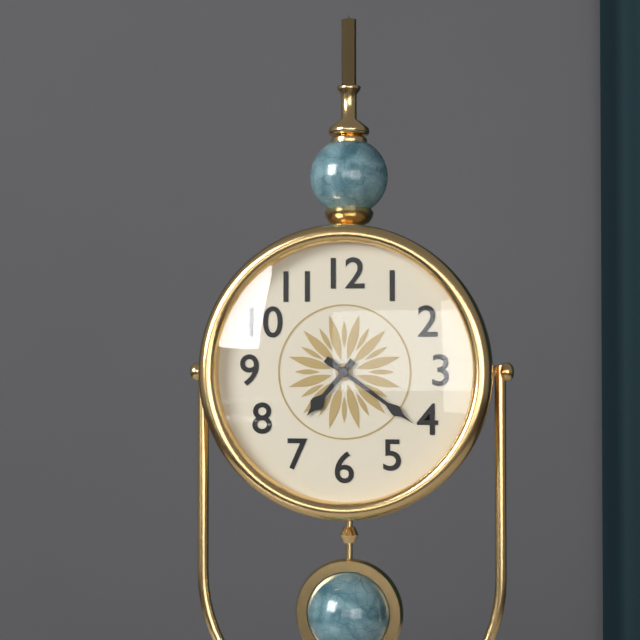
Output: **7:21**
